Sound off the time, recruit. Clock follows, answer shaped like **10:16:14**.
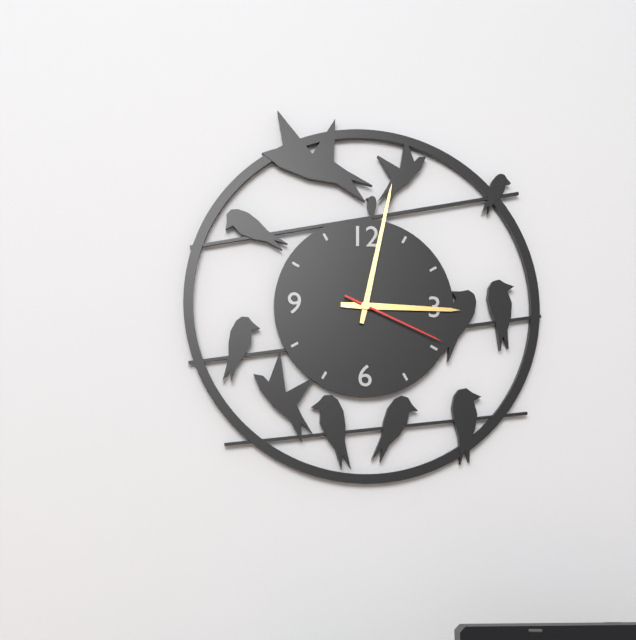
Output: **3:02:19**
